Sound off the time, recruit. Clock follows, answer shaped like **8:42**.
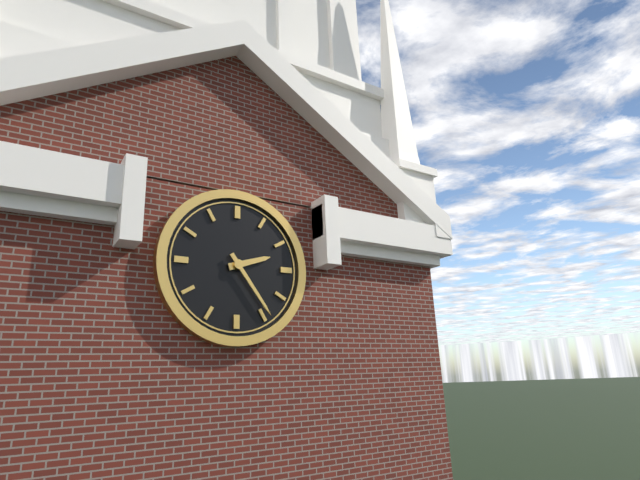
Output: **2:24**
